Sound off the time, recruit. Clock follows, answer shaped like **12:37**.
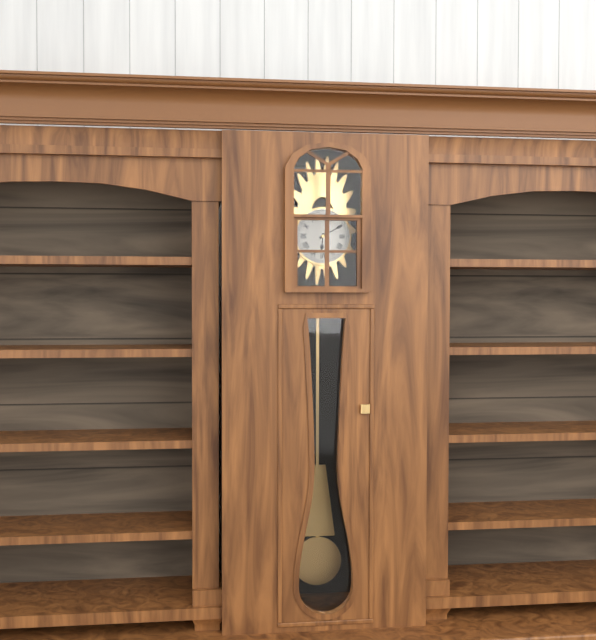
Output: **6:10**
